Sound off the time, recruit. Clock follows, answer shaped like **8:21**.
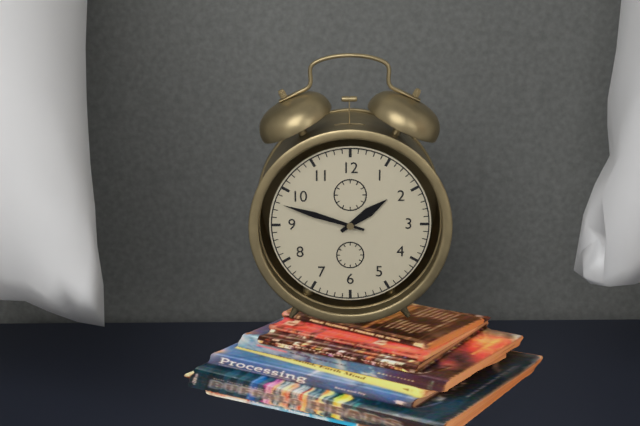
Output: **1:48**
